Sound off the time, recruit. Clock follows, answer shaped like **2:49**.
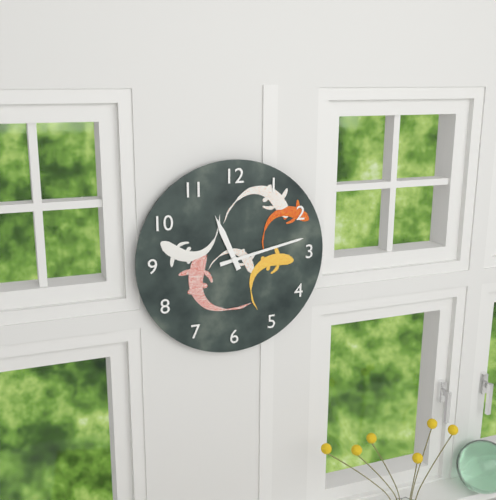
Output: **11:13**
